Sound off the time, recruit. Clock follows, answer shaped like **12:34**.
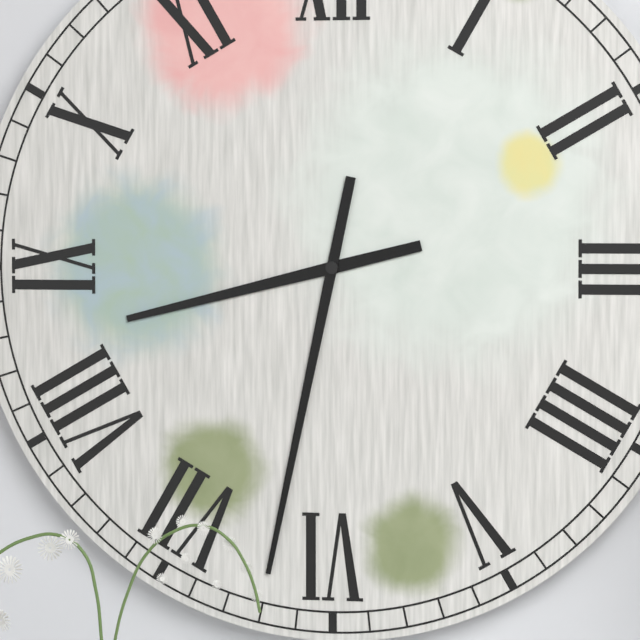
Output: **8:32**
